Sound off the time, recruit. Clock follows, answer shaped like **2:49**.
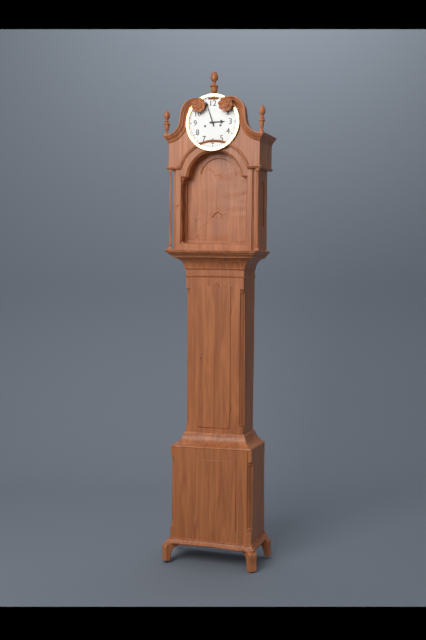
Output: **2:57**
